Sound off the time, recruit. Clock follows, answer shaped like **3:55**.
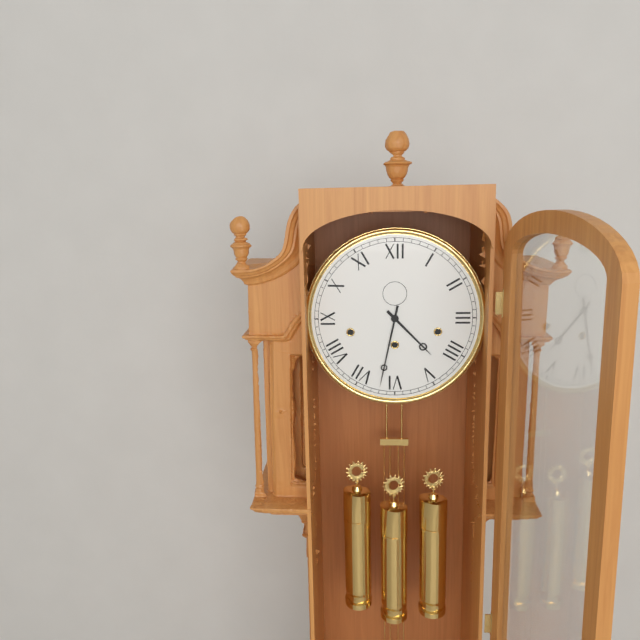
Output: **4:32**
